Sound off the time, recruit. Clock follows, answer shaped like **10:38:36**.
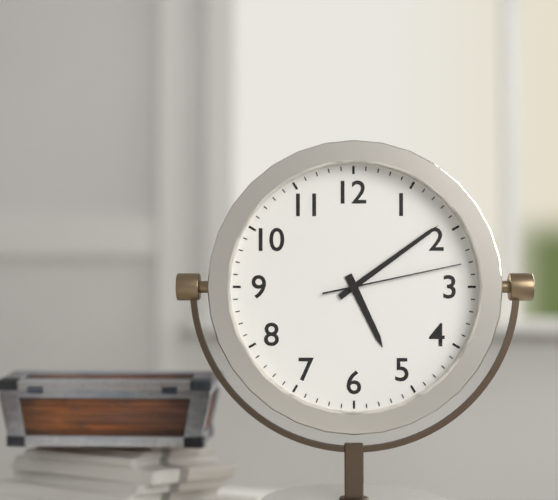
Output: **5:09:13**
